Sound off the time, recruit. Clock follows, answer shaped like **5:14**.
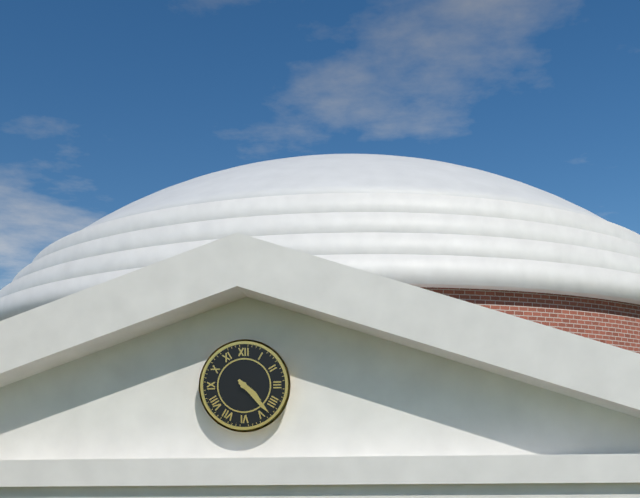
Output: **4:23**
